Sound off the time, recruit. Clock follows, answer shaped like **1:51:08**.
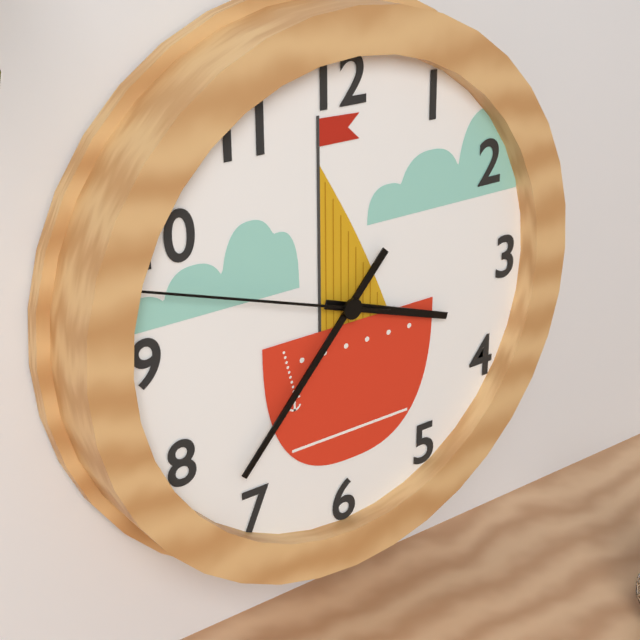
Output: **3:37:48**
